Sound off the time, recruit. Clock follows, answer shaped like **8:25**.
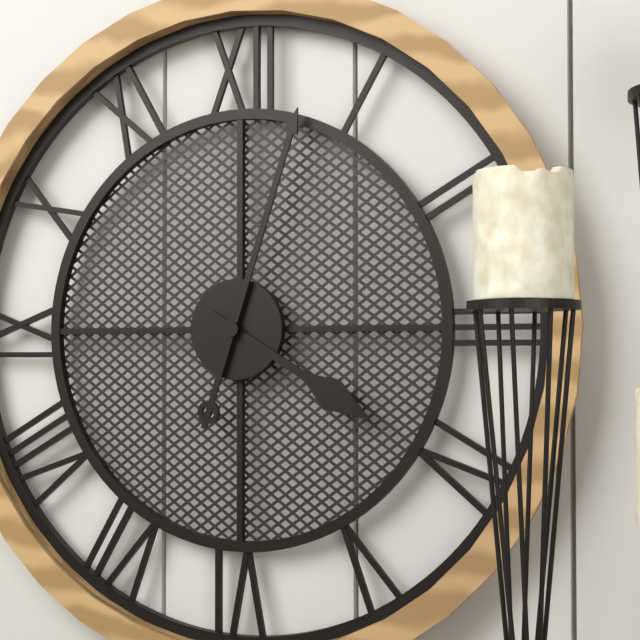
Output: **4:03**
